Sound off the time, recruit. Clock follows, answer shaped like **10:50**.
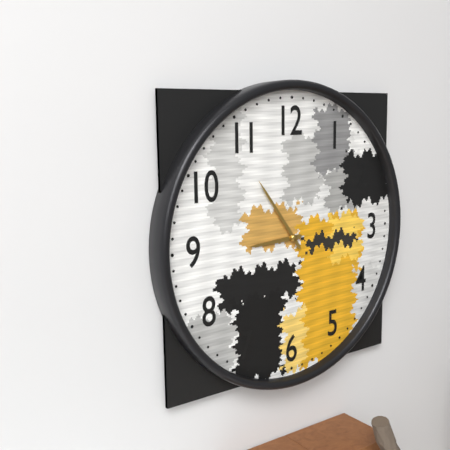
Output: **8:54**
